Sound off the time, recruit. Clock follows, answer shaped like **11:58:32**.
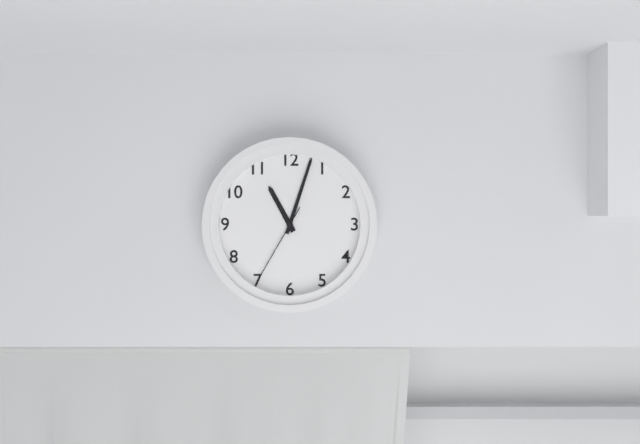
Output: **11:03:35**
